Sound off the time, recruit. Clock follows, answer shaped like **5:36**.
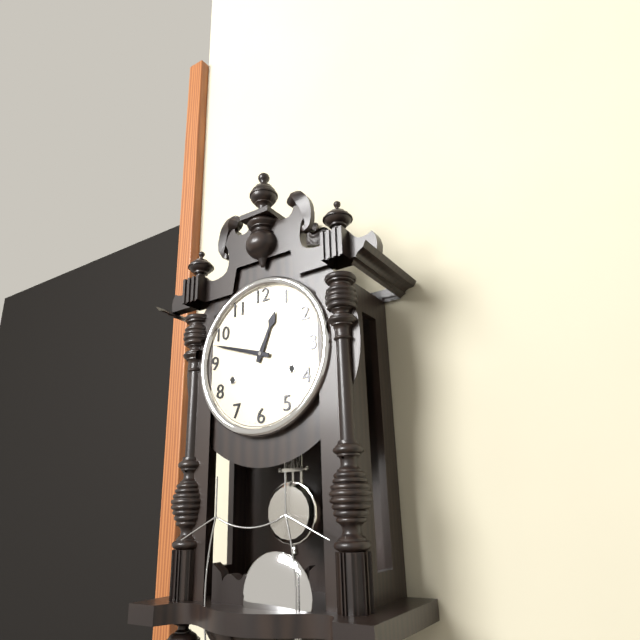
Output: **12:48**
